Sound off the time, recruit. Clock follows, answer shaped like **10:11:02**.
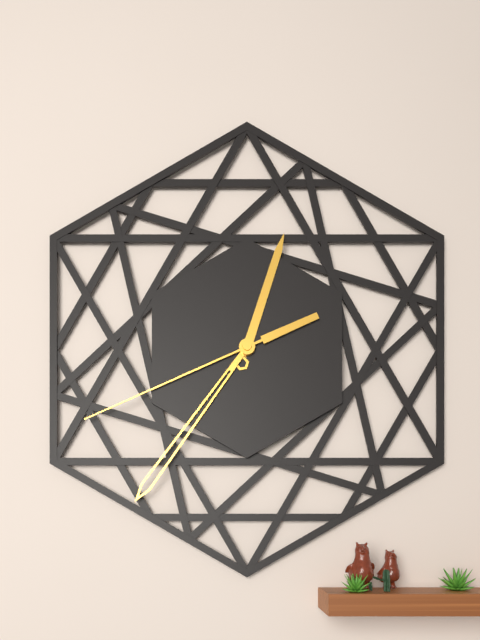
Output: **12:36:41**
